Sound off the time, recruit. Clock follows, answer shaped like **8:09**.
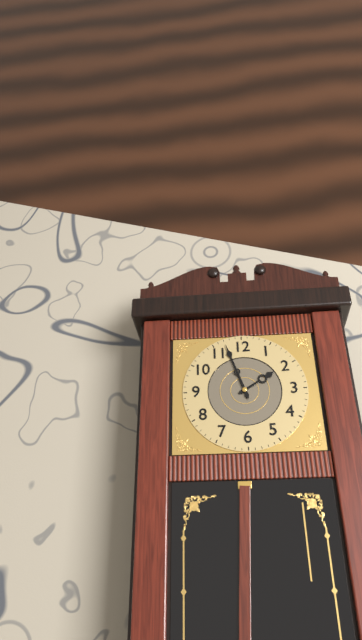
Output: **1:57**
